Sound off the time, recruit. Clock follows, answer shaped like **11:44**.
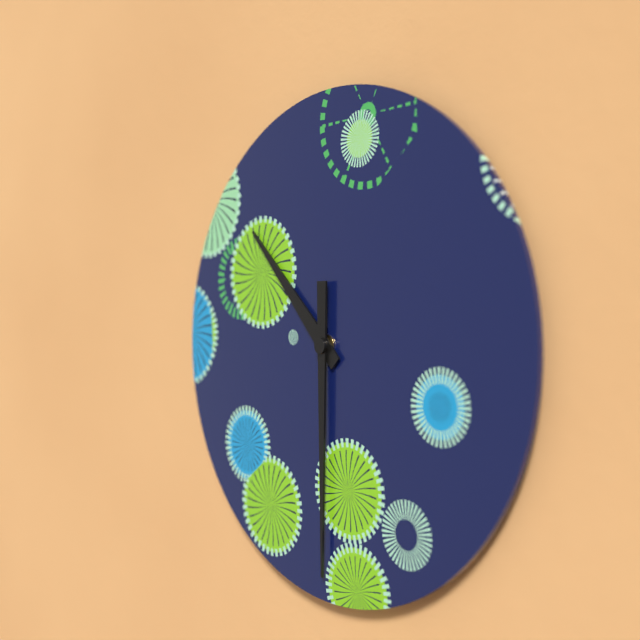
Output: **10:30**
